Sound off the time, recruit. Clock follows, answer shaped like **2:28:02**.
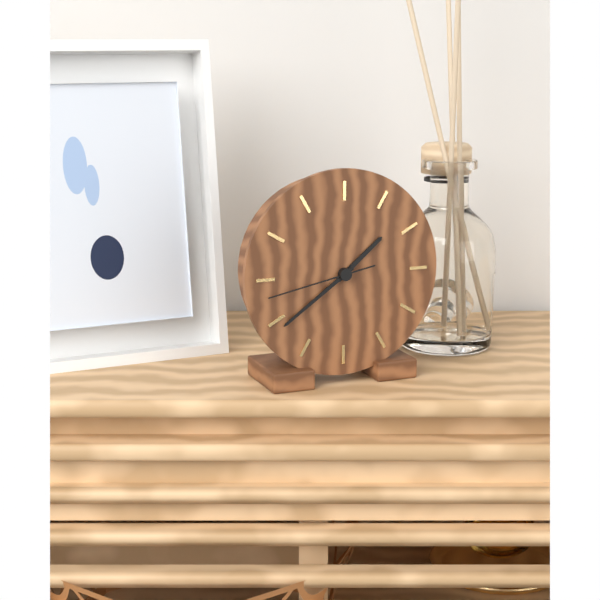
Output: **1:39:43**
